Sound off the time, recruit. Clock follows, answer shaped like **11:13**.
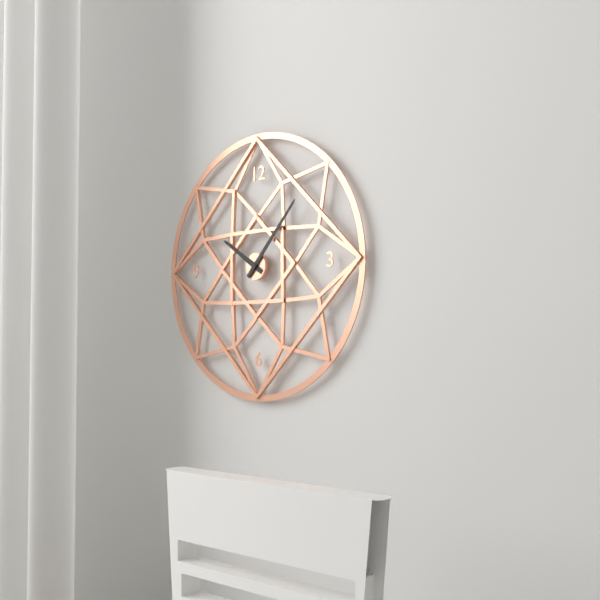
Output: **10:07**
